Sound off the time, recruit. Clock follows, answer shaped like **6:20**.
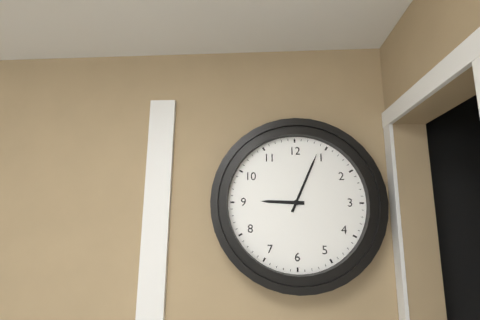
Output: **9:04**
